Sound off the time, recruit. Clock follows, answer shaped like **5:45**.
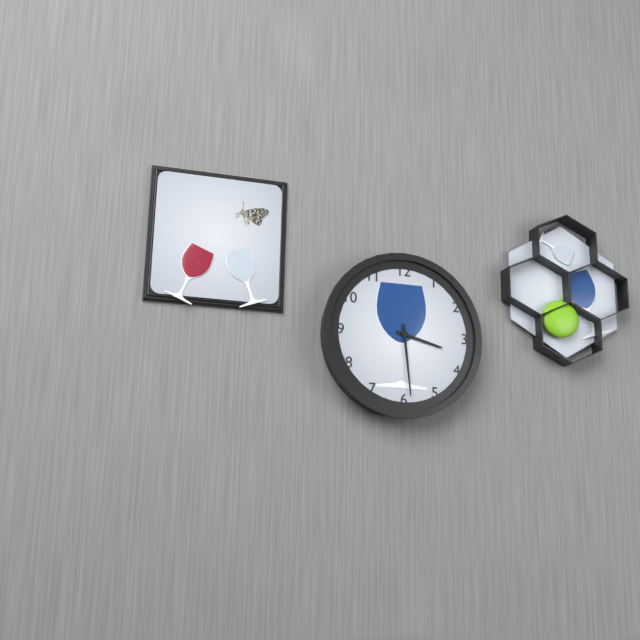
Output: **3:29**
